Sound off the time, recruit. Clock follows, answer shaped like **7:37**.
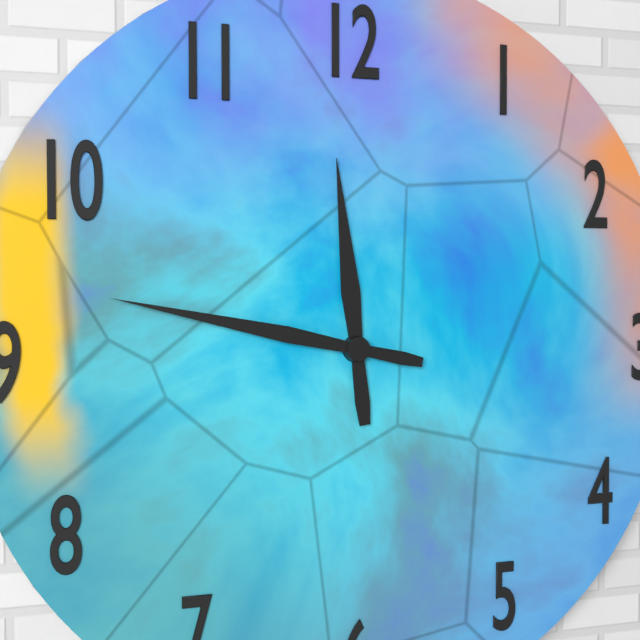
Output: **11:47**
